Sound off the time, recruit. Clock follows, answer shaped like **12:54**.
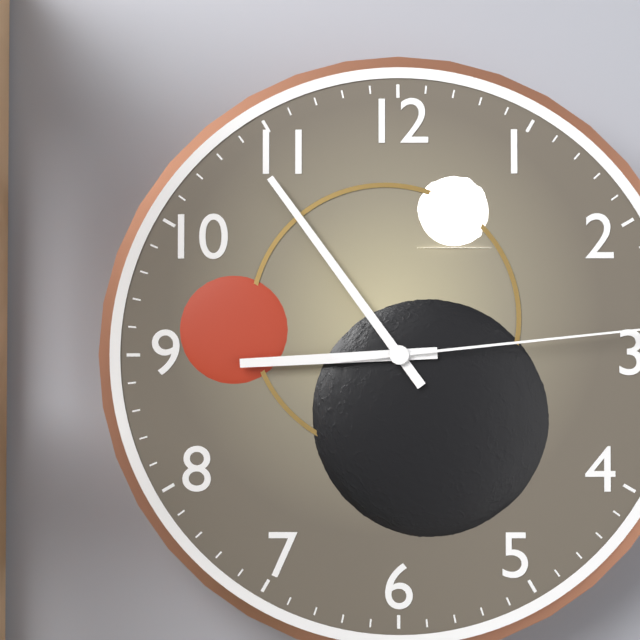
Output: **8:54**
